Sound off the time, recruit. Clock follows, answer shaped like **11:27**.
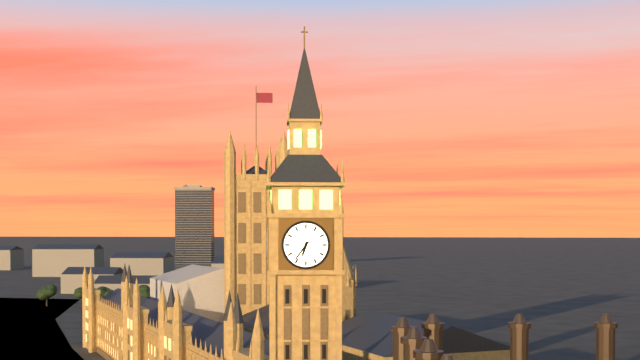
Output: **6:36**
